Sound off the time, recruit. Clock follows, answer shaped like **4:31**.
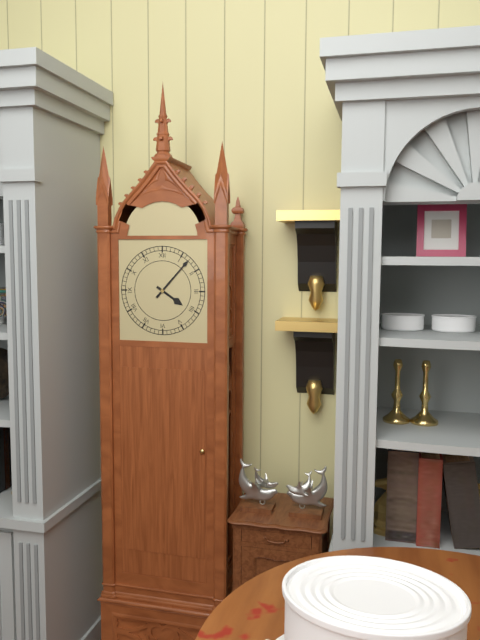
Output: **4:07**
